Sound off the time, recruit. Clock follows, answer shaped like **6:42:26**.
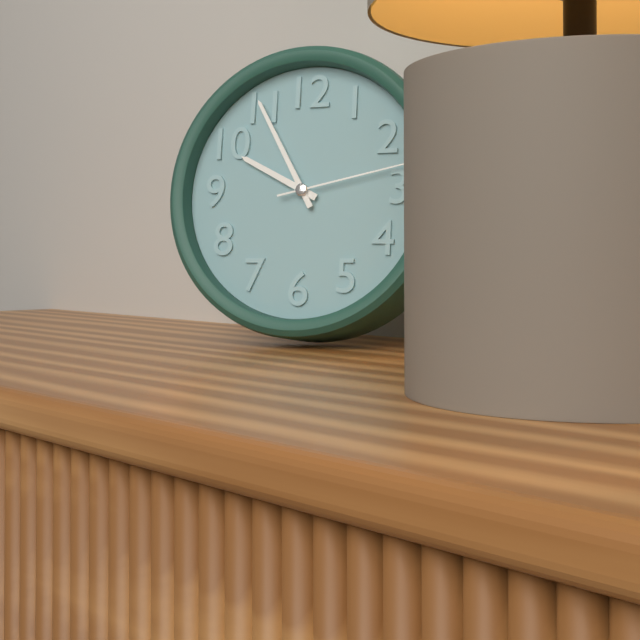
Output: **9:55:13**
